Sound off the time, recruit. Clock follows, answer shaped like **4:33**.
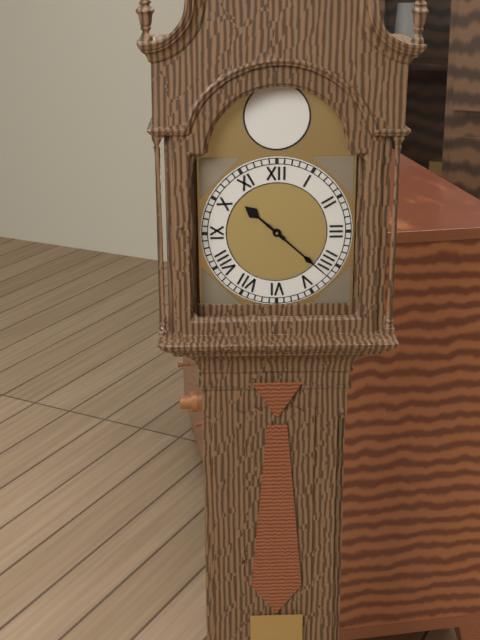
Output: **10:22**
